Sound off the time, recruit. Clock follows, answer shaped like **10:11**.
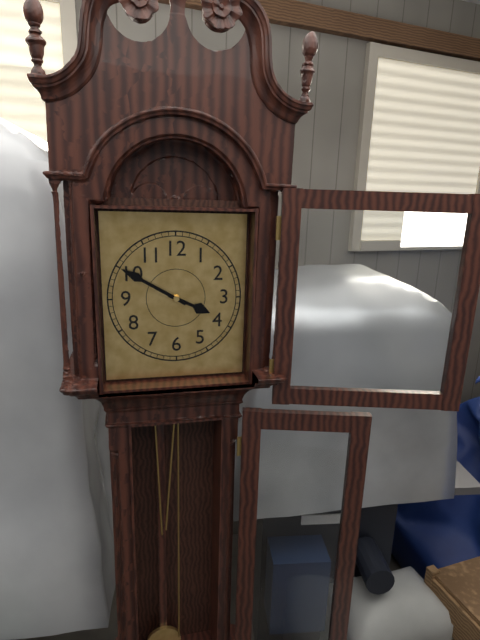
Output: **3:50**
